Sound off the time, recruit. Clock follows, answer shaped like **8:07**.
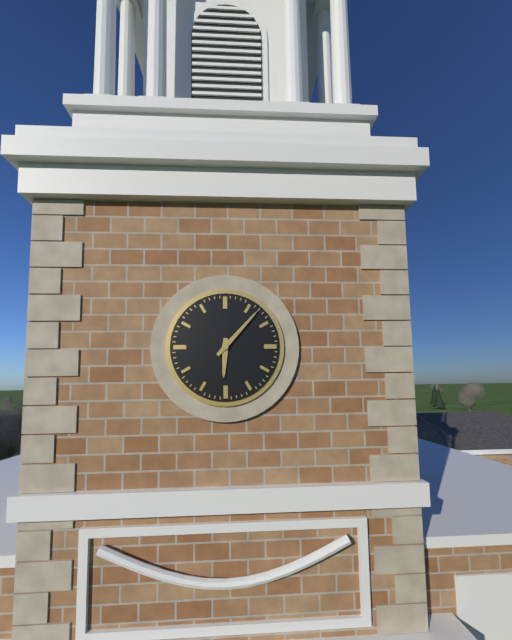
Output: **6:07**
